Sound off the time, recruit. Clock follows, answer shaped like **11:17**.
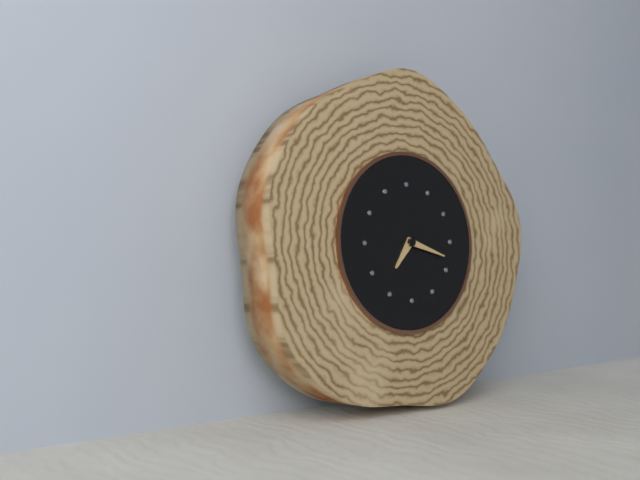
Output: **7:18**
